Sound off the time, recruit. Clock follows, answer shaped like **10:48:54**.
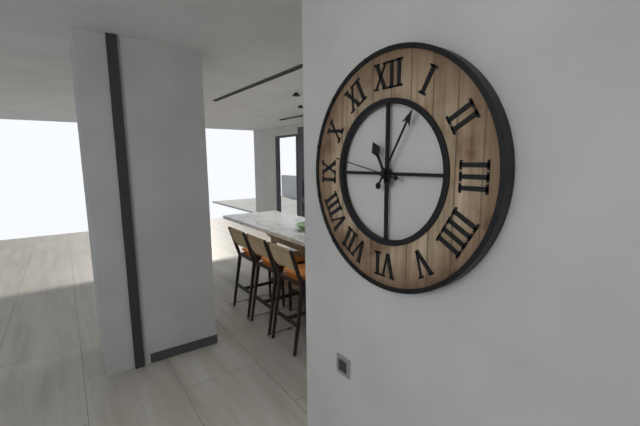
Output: **11:05:47**
